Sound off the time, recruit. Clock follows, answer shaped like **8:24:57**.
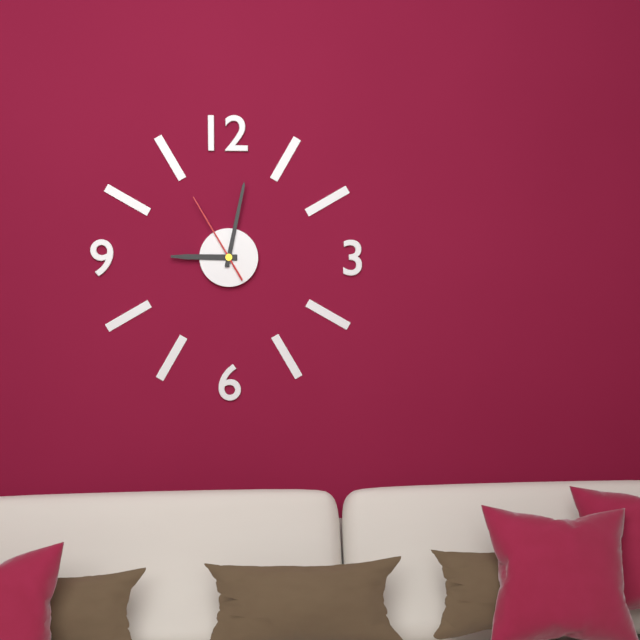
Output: **9:02:55**
